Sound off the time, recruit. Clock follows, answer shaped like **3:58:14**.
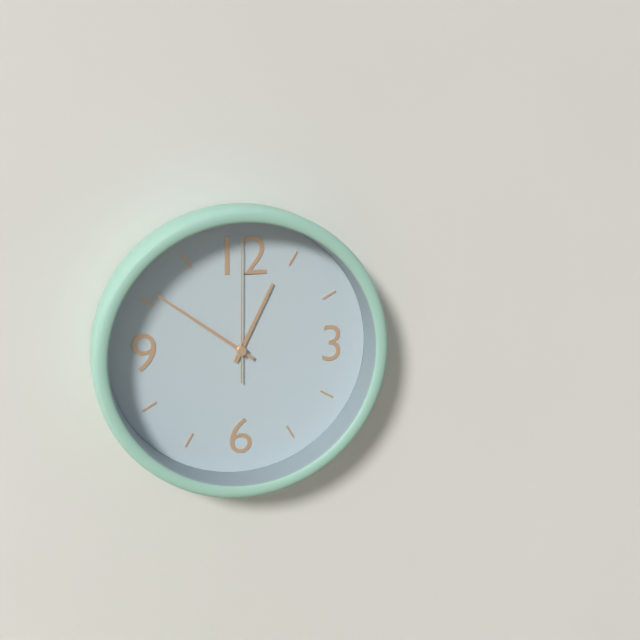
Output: **12:51:00**
